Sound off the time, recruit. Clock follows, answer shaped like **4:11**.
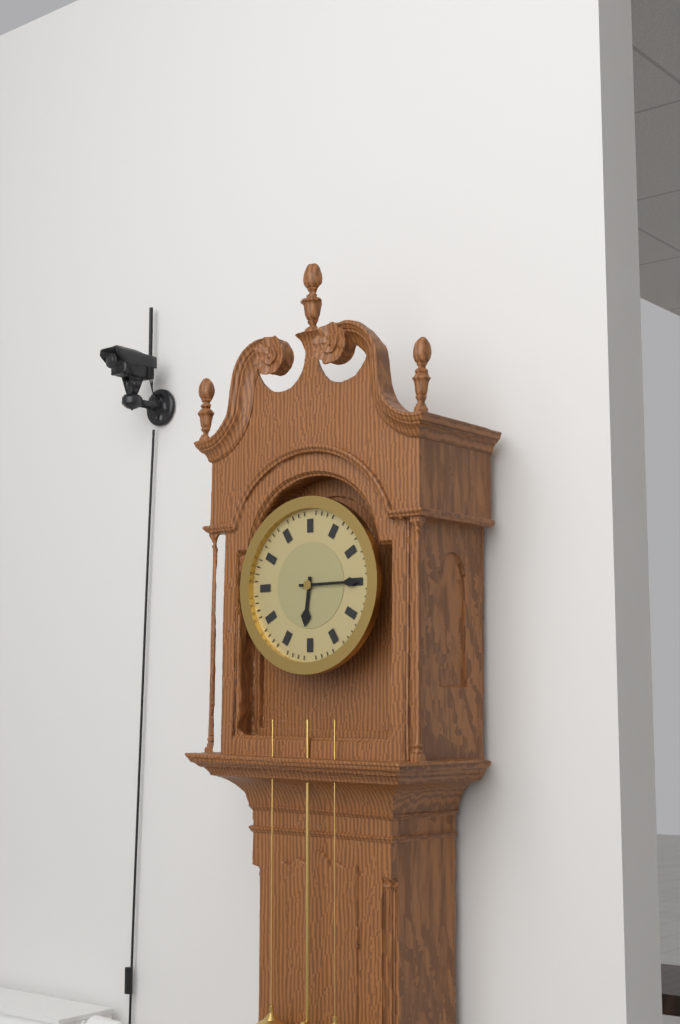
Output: **6:15**
